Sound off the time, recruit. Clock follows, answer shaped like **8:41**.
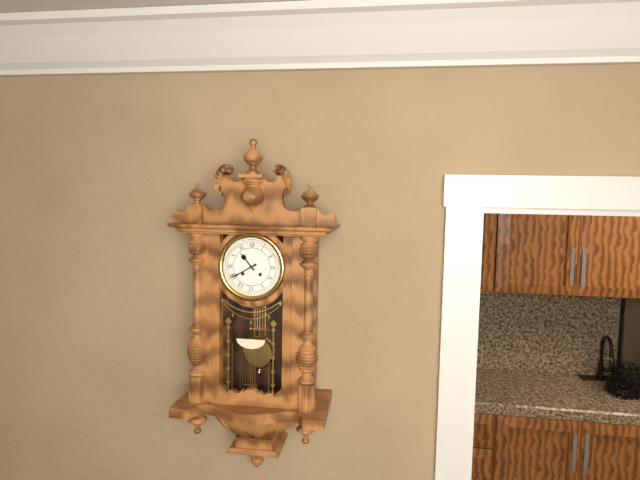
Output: **10:40**
